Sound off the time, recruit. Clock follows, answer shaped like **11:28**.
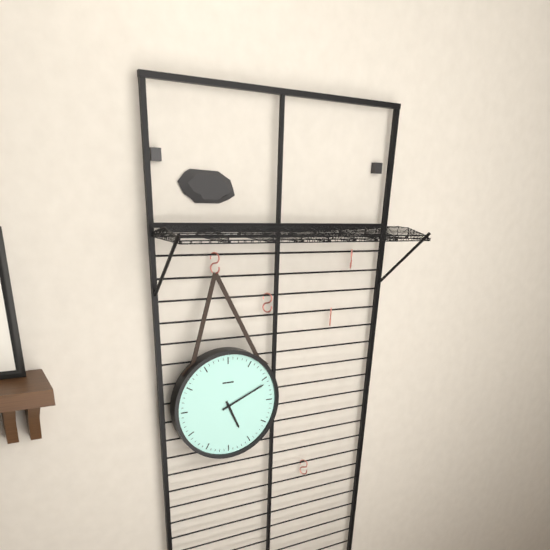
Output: **5:11**
